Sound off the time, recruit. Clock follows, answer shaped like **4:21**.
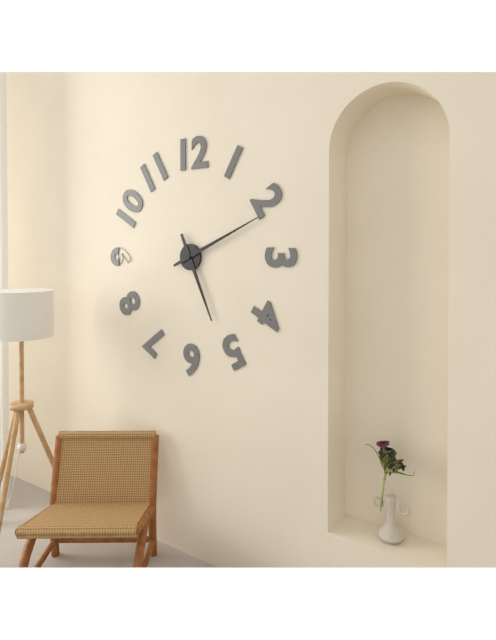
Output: **5:11**
